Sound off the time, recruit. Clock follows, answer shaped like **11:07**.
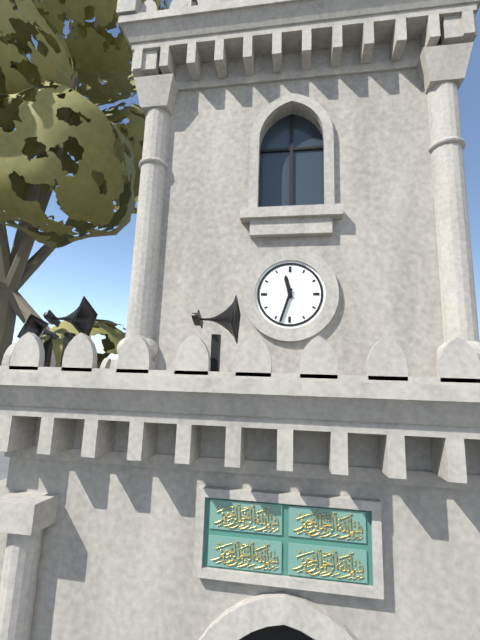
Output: **11:33**
